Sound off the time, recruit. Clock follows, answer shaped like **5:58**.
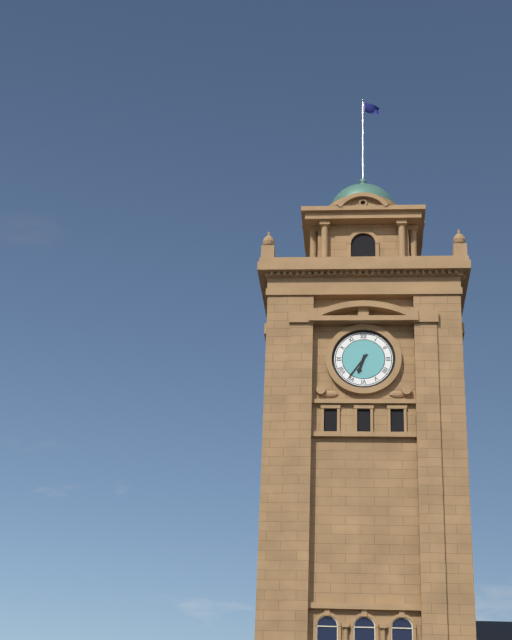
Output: **6:36**
